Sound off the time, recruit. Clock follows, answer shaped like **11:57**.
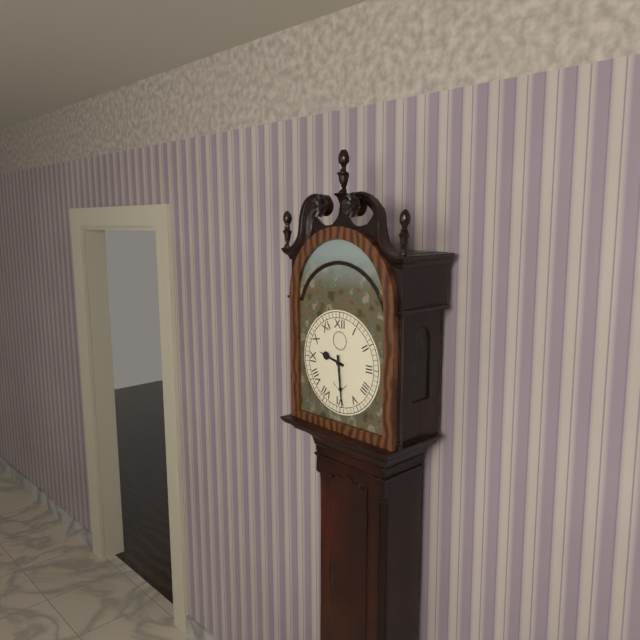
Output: **9:29**
